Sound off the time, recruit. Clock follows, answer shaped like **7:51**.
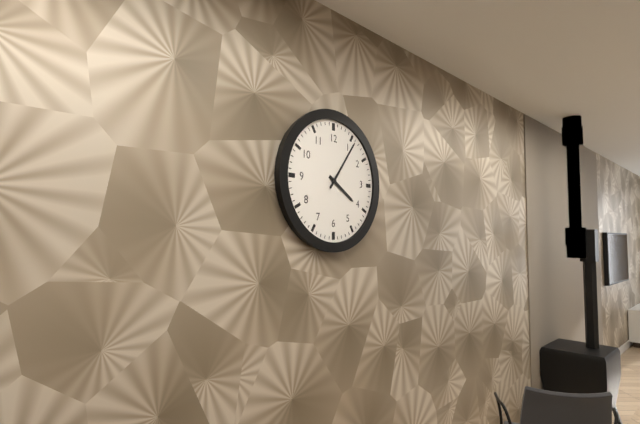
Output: **4:06**
